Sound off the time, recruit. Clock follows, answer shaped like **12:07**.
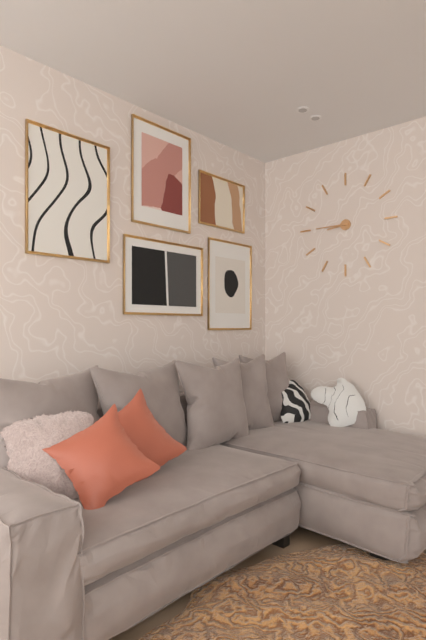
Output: **8:45**
